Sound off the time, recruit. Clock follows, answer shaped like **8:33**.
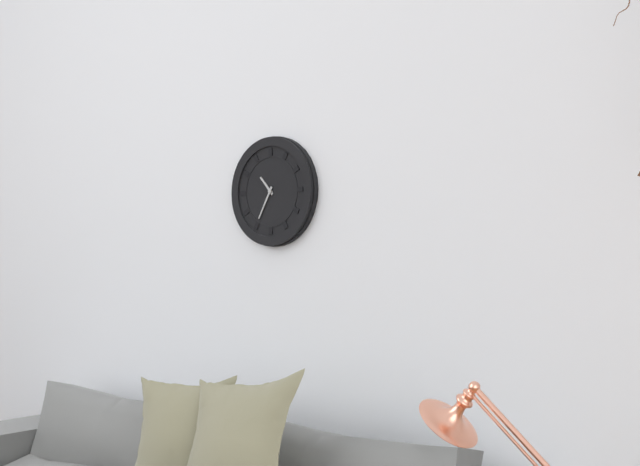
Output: **10:35**
